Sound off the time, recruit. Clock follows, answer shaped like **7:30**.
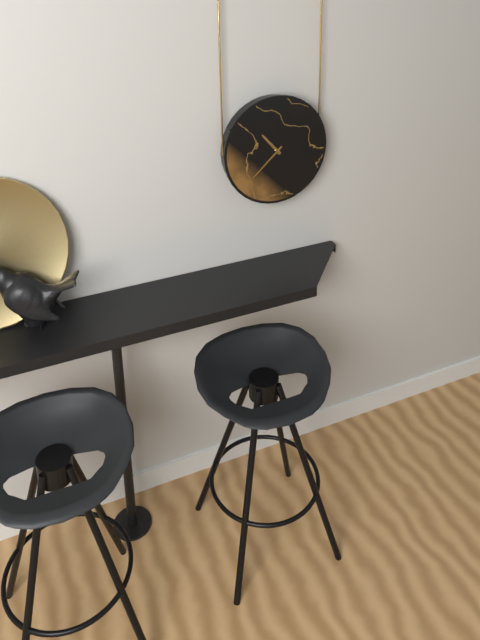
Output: **10:38**
